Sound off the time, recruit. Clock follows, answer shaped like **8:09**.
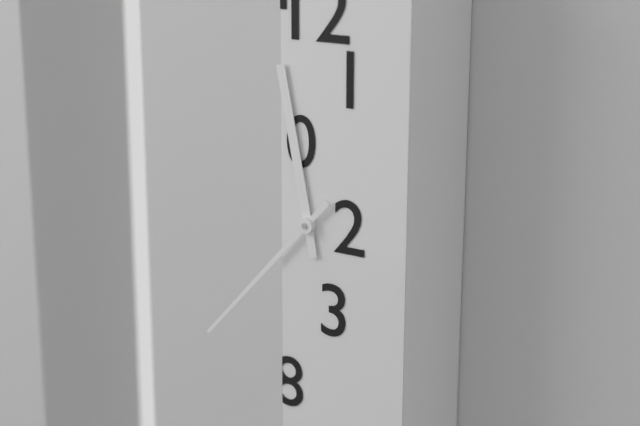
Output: **11:37**
